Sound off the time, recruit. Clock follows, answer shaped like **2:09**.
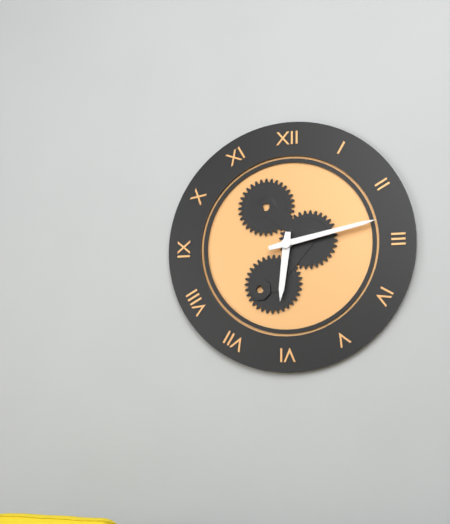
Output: **6:13**
